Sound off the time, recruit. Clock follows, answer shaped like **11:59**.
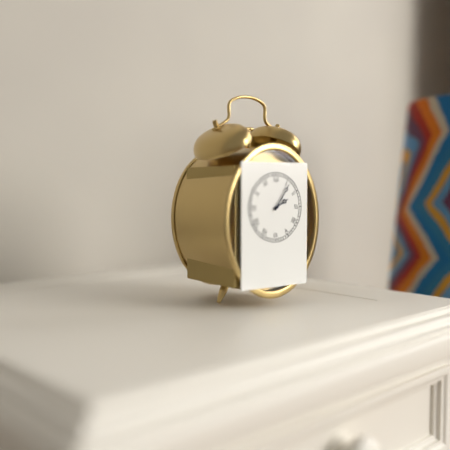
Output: **2:06**
